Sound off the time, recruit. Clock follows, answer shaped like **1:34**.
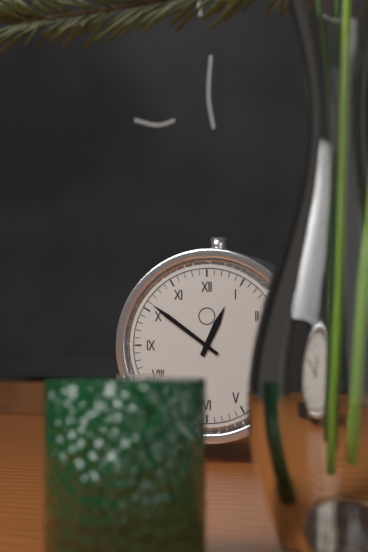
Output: **12:51**
